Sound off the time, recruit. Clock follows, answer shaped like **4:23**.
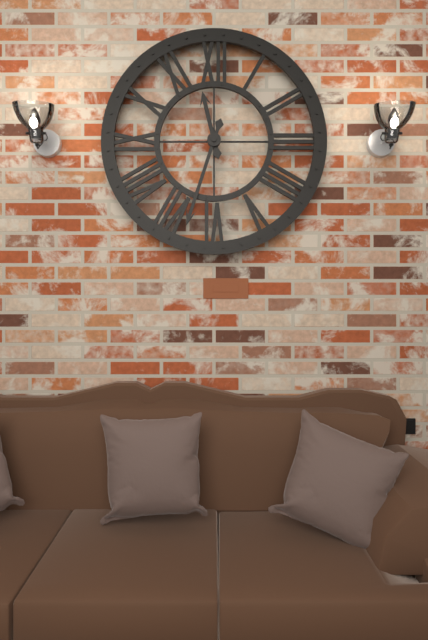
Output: **11:33**
